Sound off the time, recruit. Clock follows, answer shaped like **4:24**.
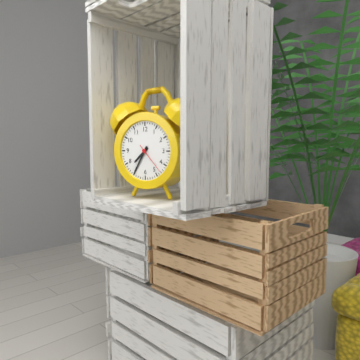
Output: **7:35**
